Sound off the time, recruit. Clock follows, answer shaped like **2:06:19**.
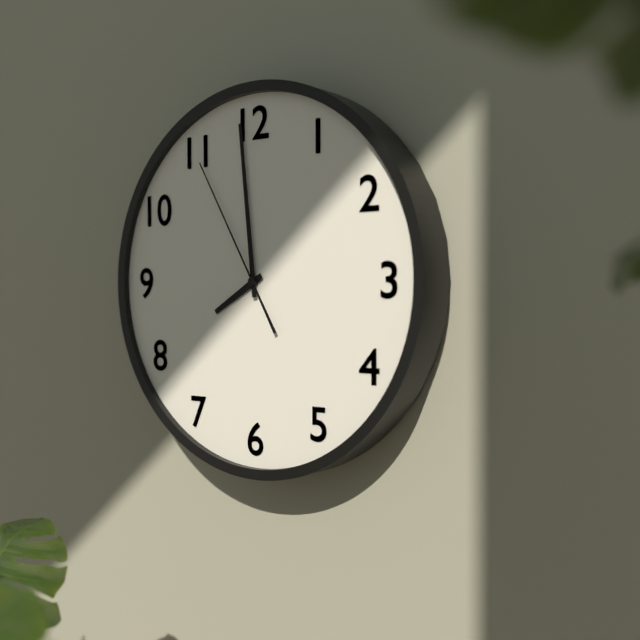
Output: **7:59:55**
